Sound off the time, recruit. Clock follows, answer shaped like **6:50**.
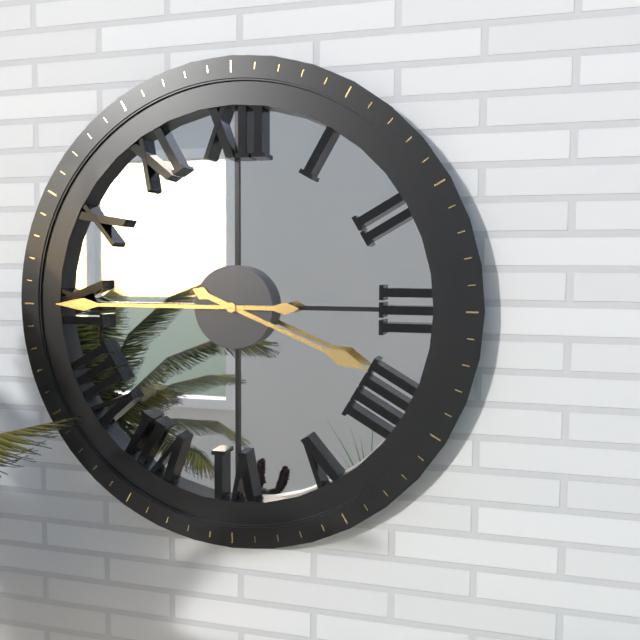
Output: **3:45**
